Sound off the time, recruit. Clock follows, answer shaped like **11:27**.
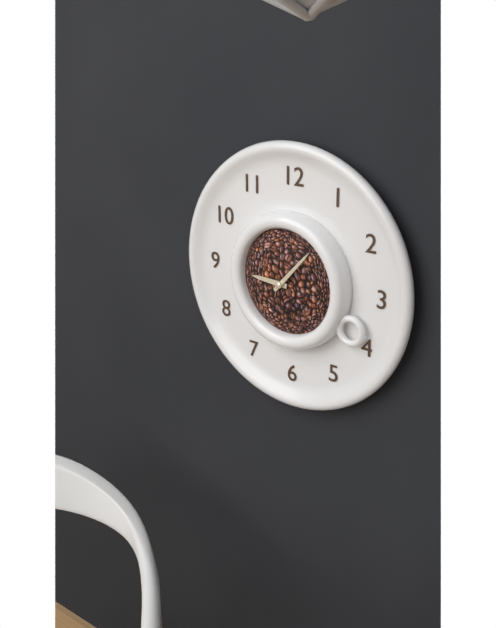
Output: **9:07**
